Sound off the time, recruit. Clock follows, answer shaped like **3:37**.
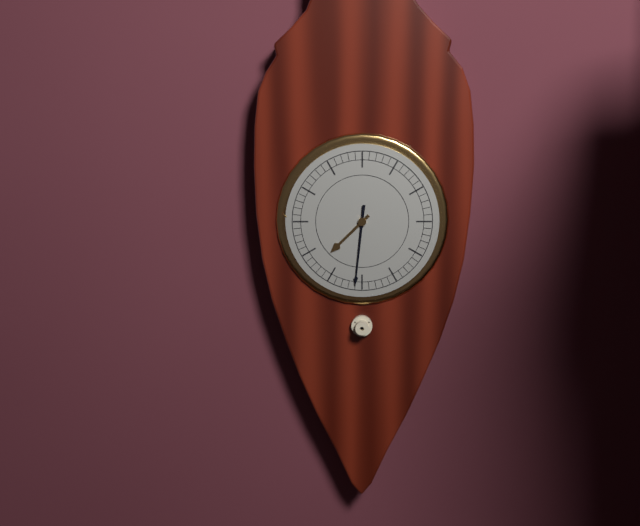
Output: **7:31**
